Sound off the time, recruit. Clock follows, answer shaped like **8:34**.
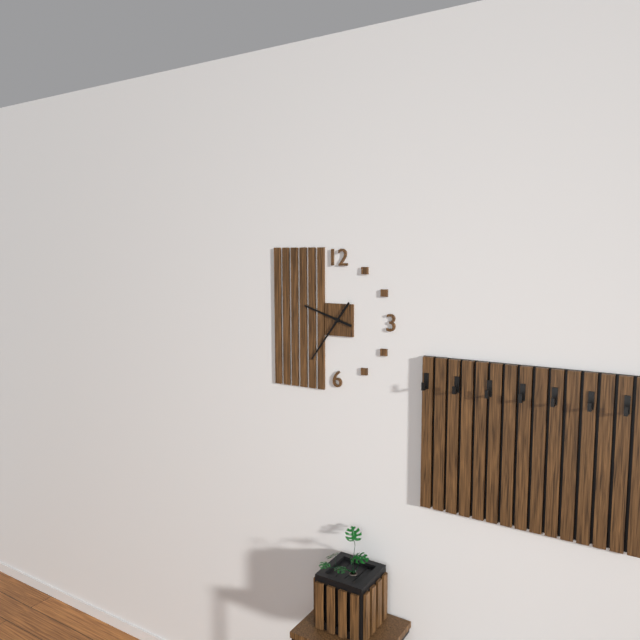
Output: **9:36**
